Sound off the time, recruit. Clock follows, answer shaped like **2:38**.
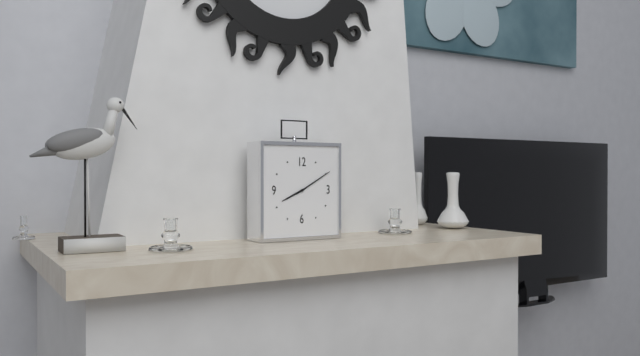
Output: **8:10**
